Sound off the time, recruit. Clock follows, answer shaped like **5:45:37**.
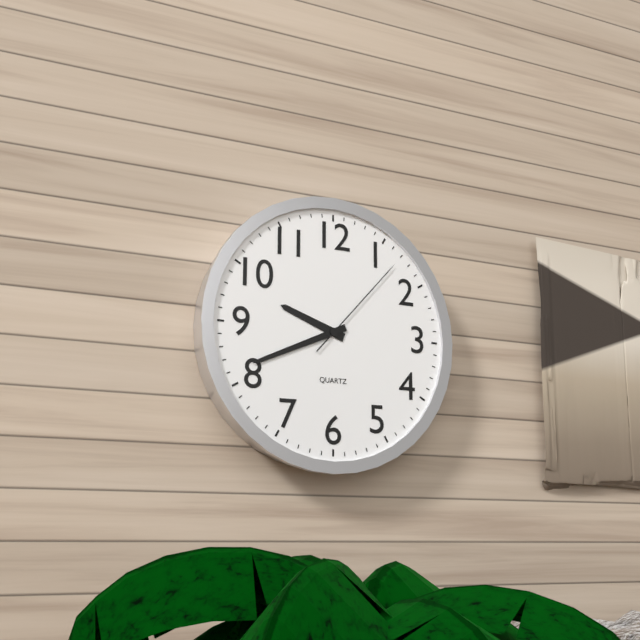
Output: **9:41:07**
